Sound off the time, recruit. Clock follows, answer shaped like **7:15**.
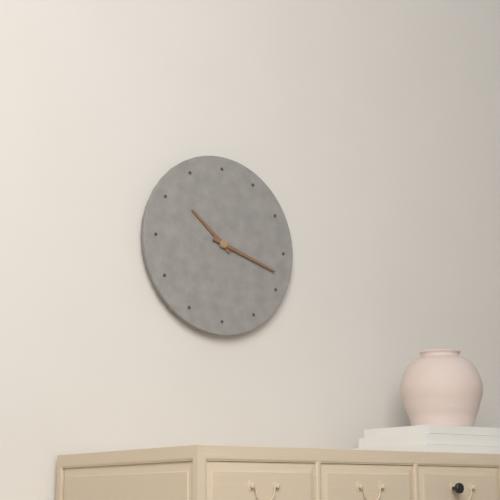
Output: **10:18**
